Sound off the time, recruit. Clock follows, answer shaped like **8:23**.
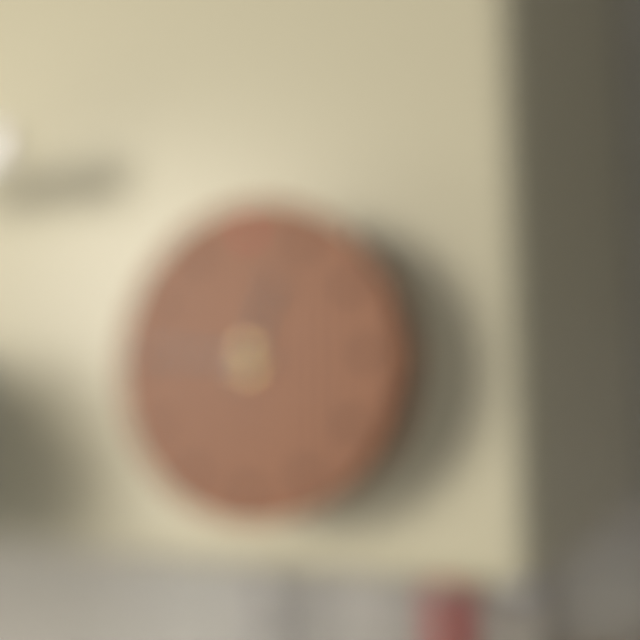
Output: **12:46**
